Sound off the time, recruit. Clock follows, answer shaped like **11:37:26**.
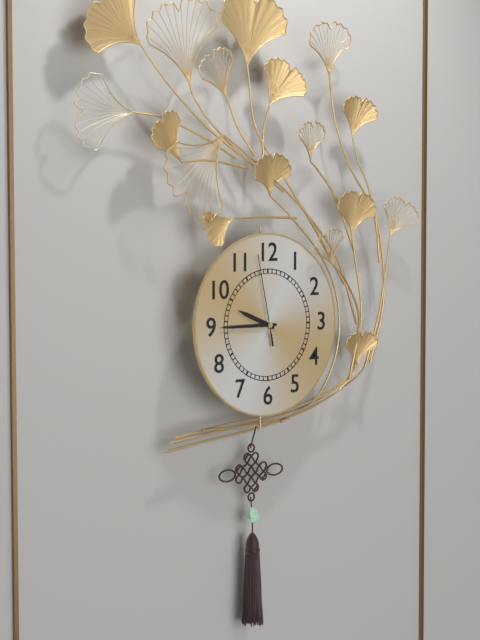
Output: **9:45:58**
